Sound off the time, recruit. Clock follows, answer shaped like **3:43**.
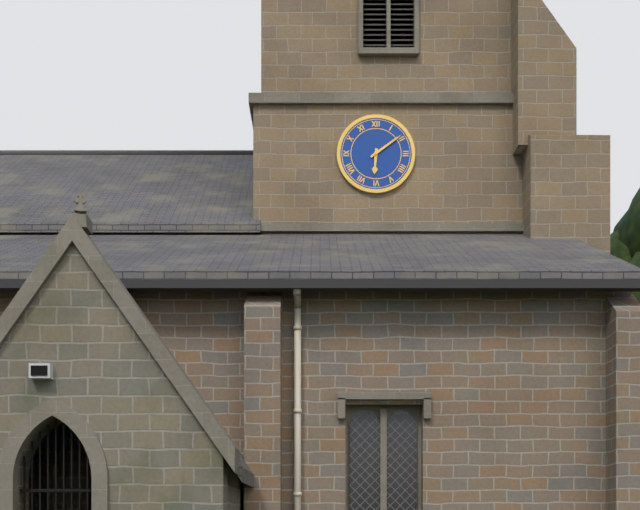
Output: **6:09**
